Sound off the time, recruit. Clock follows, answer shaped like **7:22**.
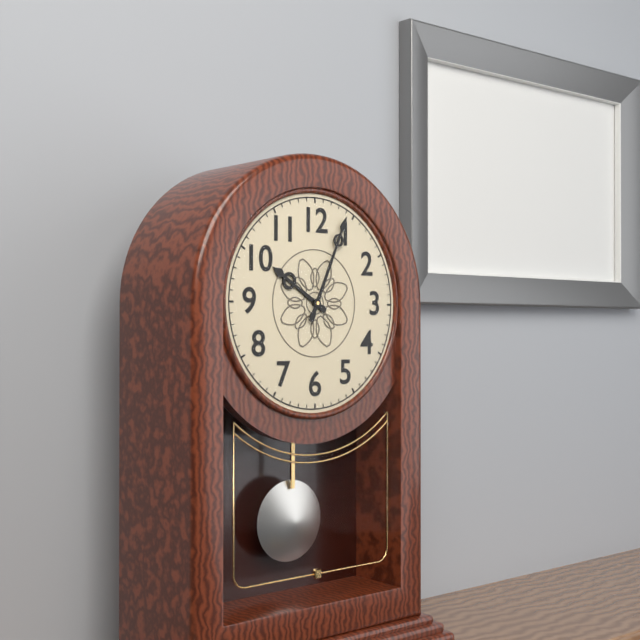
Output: **10:04**
